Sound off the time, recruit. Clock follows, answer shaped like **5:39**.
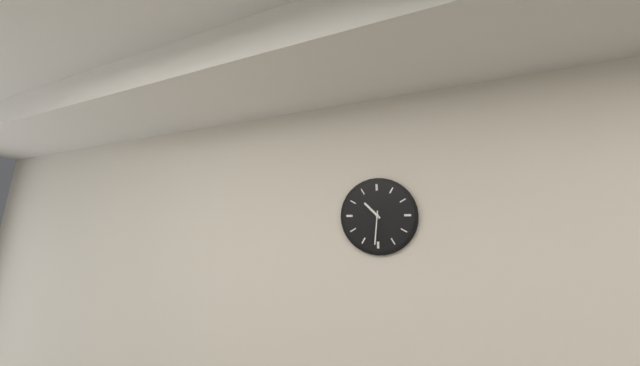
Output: **10:31**
